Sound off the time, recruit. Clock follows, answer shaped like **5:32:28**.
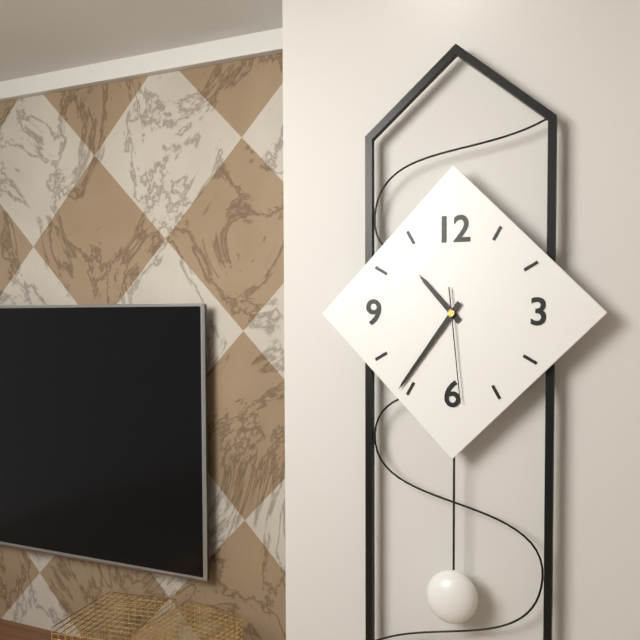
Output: **10:36:29**
